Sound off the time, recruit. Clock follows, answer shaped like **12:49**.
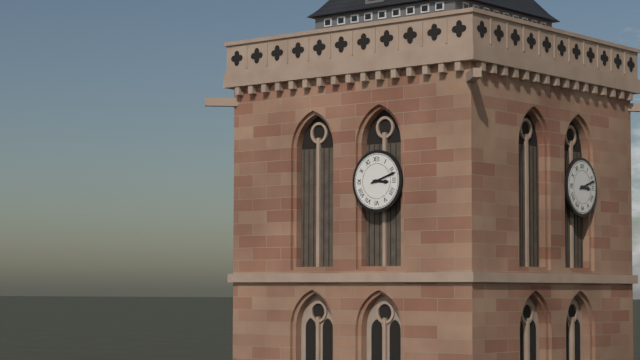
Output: **3:12**
